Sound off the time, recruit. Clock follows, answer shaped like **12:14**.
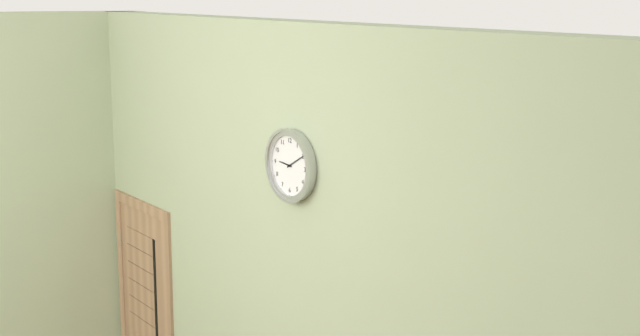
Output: **9:10**
